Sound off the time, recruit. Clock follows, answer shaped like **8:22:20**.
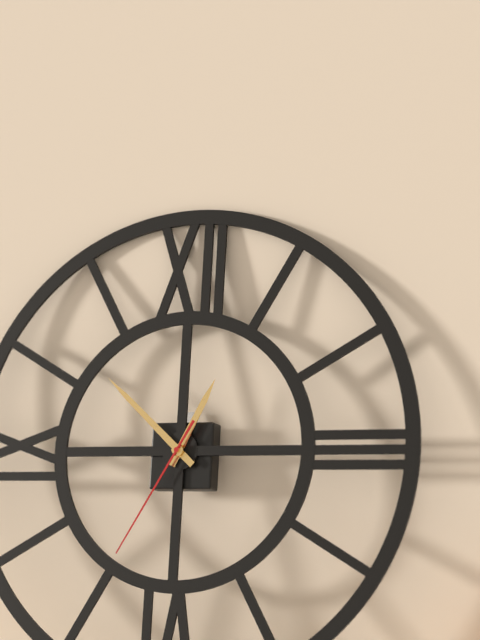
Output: **12:52:35**
